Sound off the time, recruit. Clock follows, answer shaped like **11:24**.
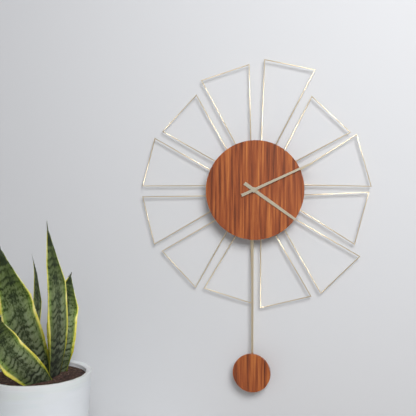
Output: **4:11**
